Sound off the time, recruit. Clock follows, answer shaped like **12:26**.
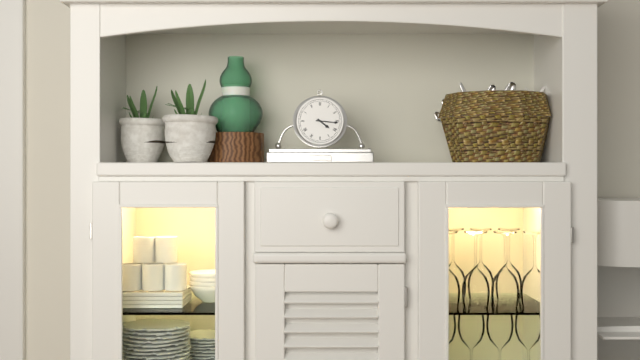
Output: **4:16**
